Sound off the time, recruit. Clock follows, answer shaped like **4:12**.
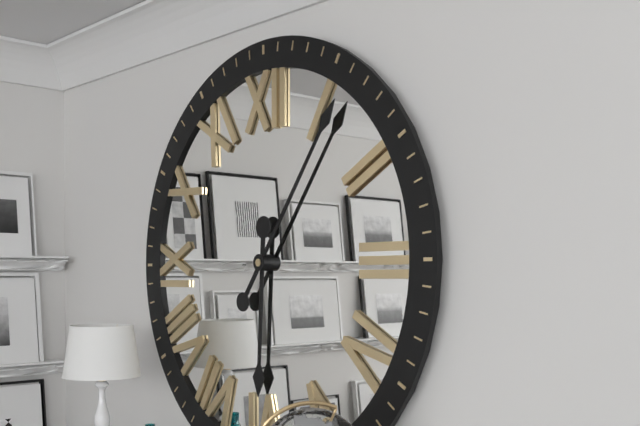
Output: **6:06**
